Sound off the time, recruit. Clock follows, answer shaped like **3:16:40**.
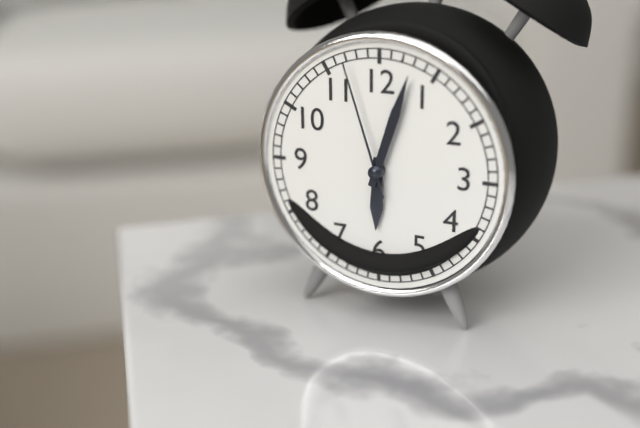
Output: **6:03:57**
